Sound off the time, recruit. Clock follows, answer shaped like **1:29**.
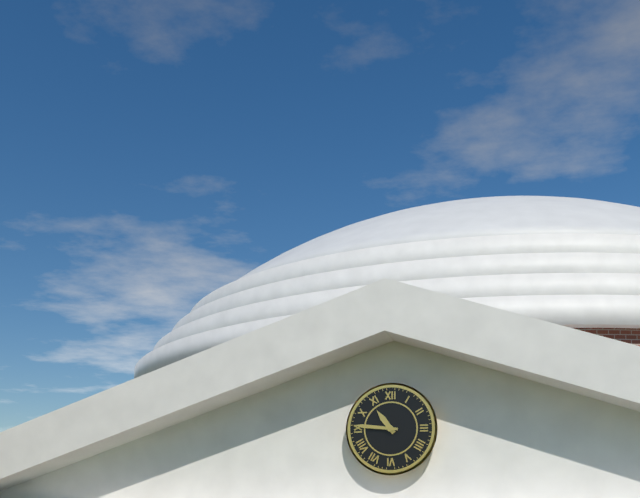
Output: **10:46**
